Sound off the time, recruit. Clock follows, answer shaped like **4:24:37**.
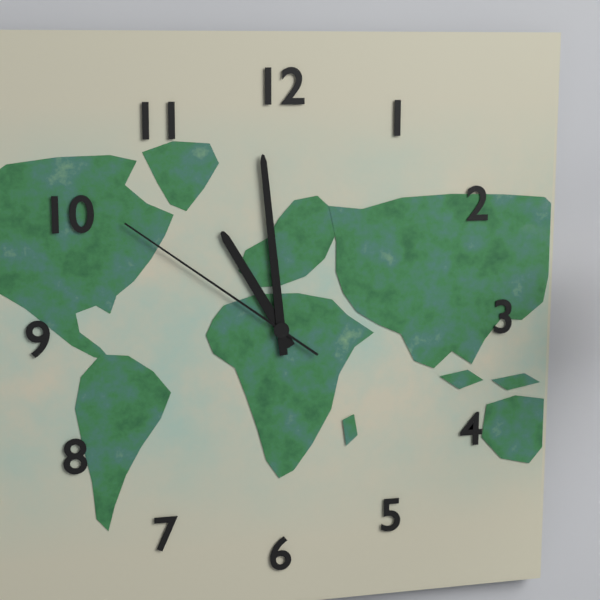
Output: **10:59:51**
